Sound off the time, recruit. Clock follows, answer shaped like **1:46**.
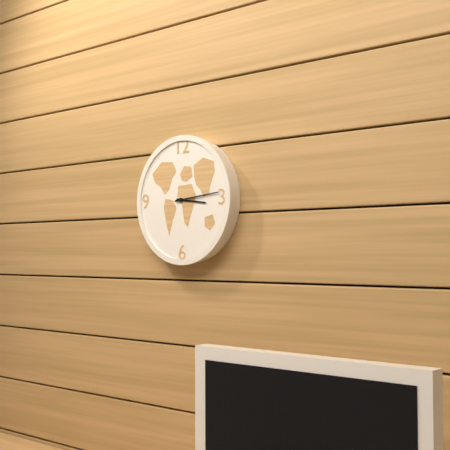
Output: **3:14**
